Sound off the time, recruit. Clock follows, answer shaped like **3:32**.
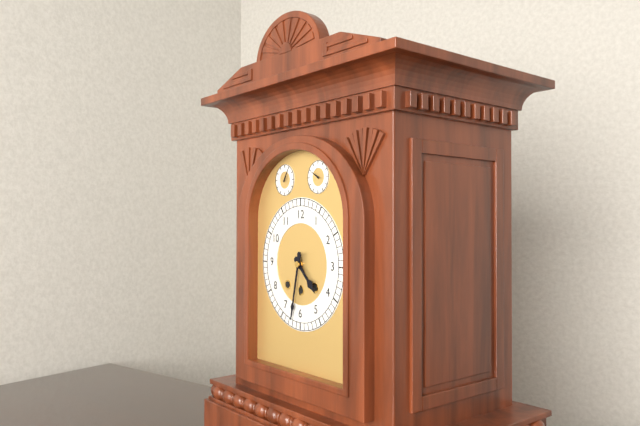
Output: **4:32**
